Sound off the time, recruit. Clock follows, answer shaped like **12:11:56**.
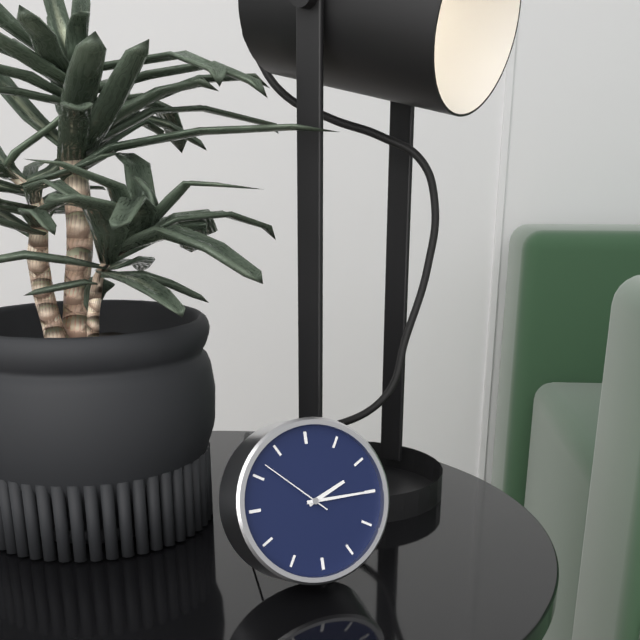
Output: **2:15:52**
